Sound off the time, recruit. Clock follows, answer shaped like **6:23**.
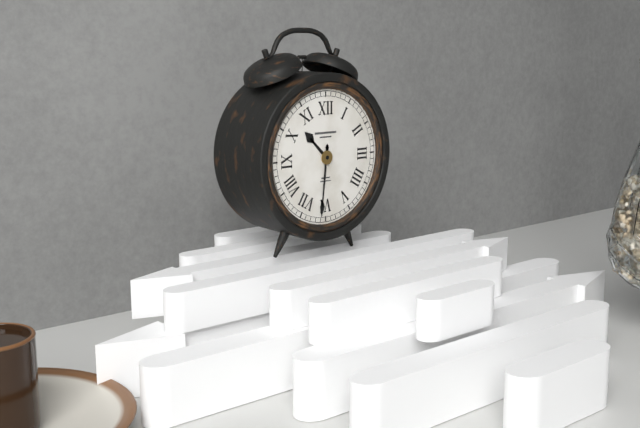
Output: **10:31**
